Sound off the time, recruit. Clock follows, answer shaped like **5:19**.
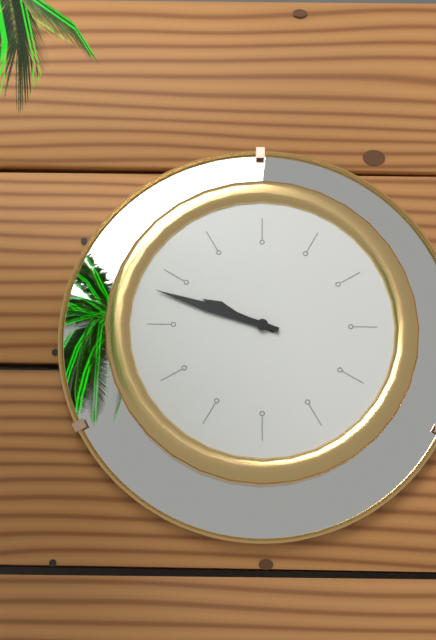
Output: **9:48**
